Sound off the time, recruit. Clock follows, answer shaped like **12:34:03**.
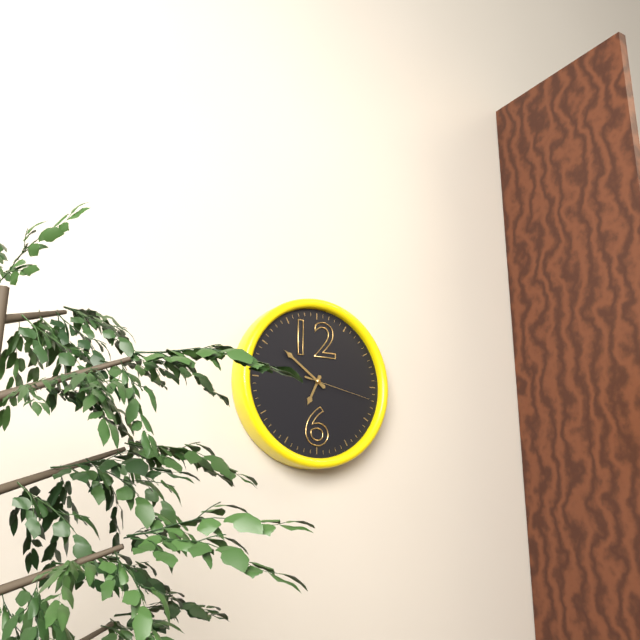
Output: **6:51:17**
